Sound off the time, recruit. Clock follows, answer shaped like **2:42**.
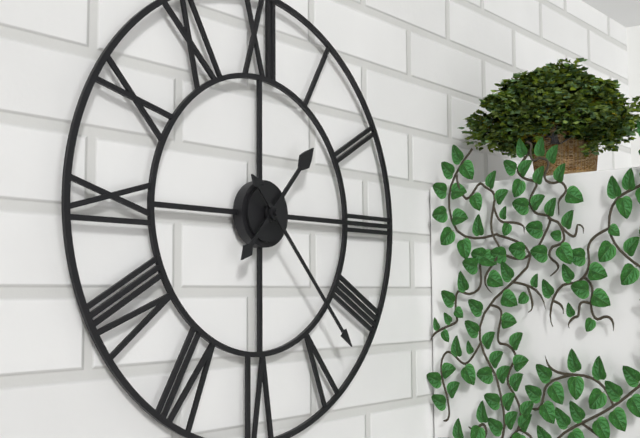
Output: **1:23**
